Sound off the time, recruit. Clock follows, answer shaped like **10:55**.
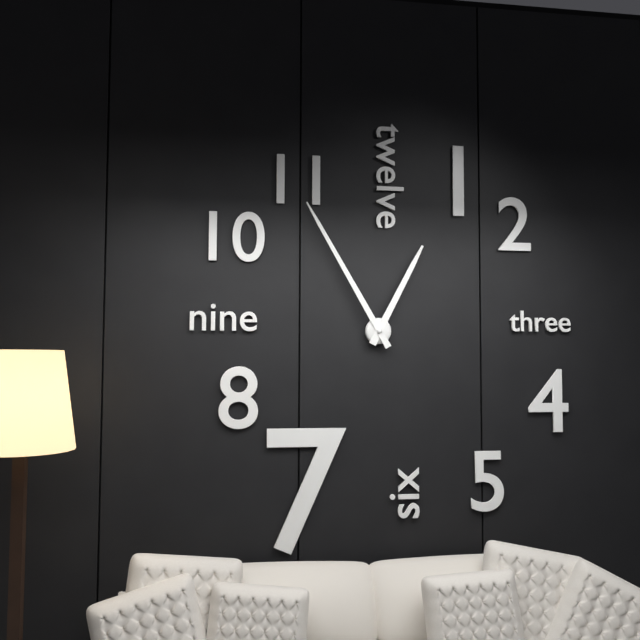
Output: **12:55**
